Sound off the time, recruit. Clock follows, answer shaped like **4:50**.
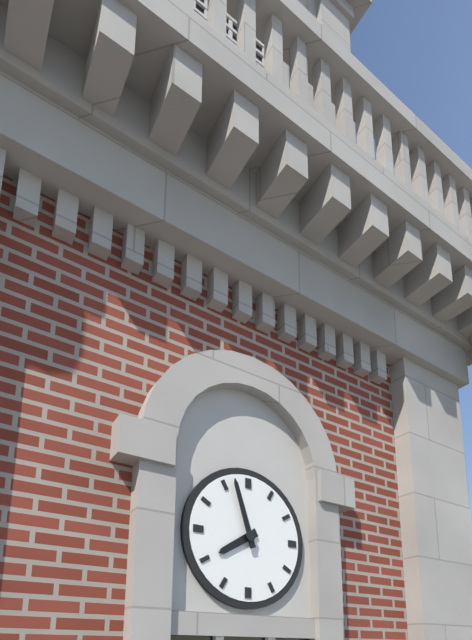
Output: **7:57**
